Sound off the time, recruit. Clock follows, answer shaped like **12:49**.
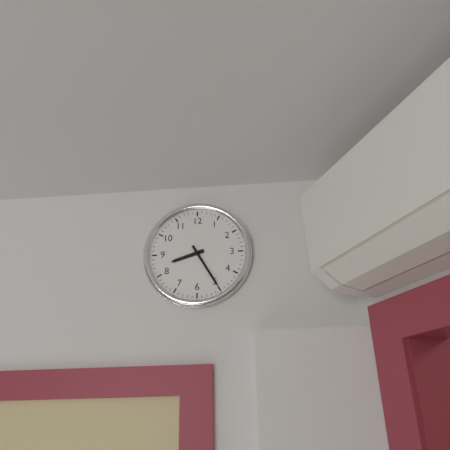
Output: **8:25**
